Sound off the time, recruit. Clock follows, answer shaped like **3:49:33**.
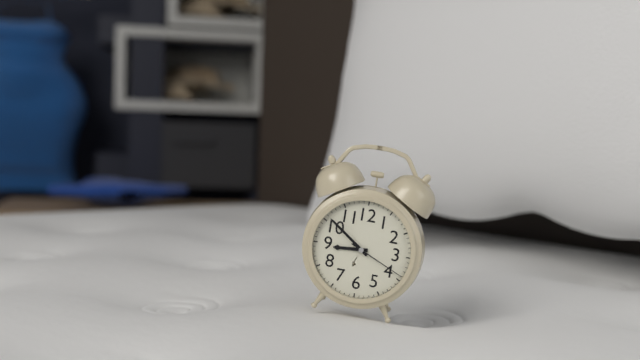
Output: **8:51:19**
